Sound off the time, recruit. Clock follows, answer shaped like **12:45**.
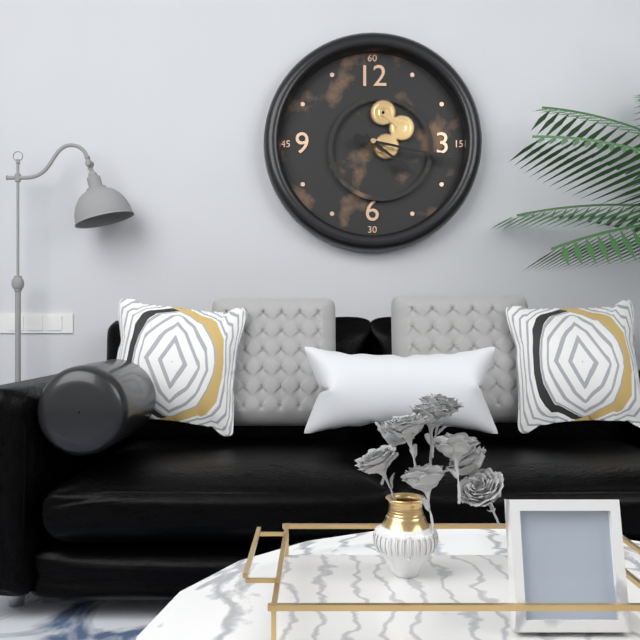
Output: **4:17**
